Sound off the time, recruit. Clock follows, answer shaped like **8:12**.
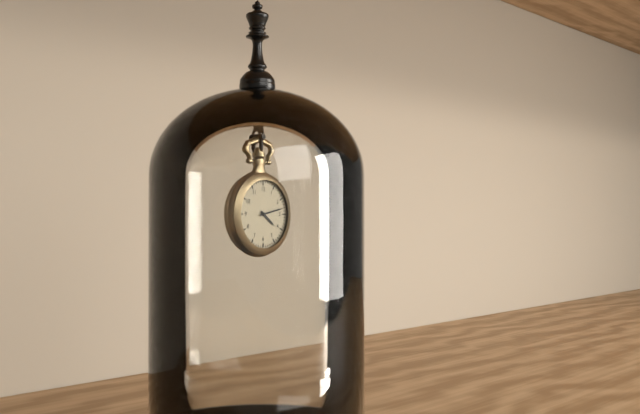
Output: **4:13**
